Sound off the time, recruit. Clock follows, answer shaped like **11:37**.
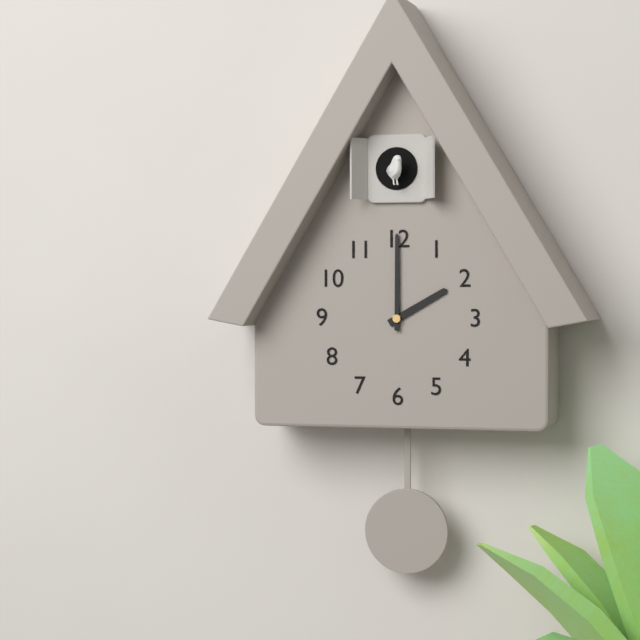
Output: **2:00**
